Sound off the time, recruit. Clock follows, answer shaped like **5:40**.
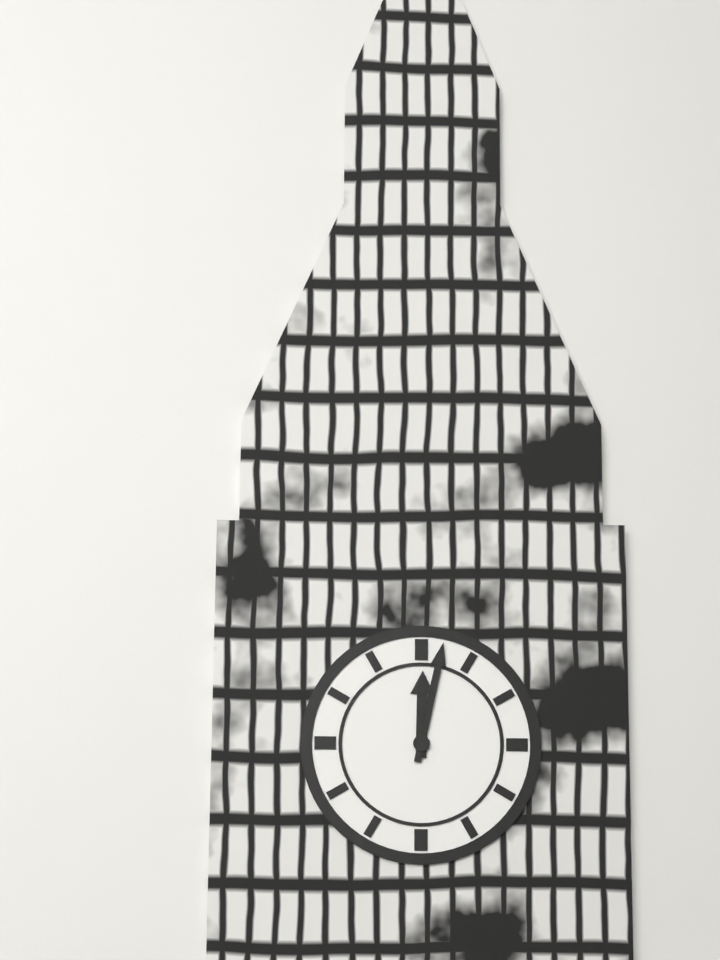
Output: **12:02**
